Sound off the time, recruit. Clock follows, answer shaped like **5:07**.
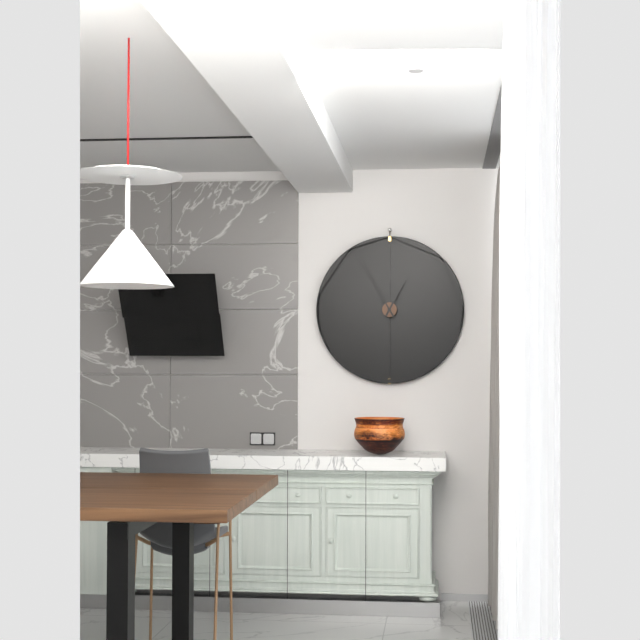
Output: **12:55**
